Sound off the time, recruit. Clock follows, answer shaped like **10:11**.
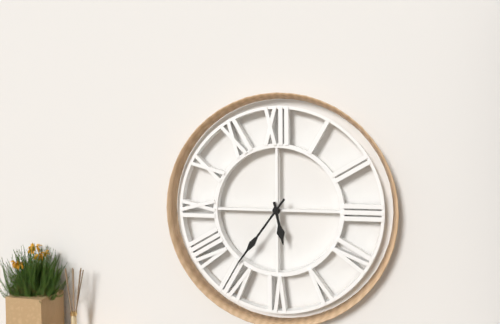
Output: **5:36**
